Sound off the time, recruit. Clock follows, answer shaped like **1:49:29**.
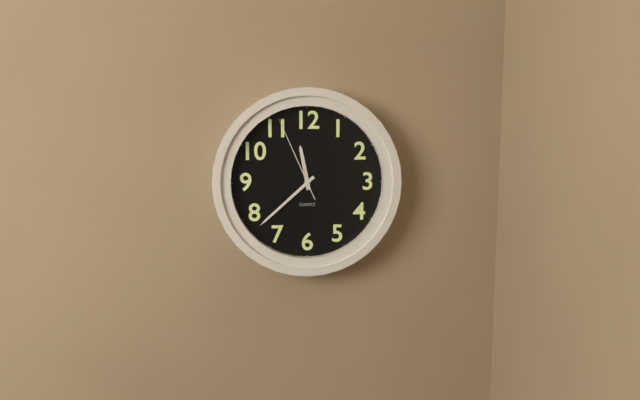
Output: **11:38:56**
